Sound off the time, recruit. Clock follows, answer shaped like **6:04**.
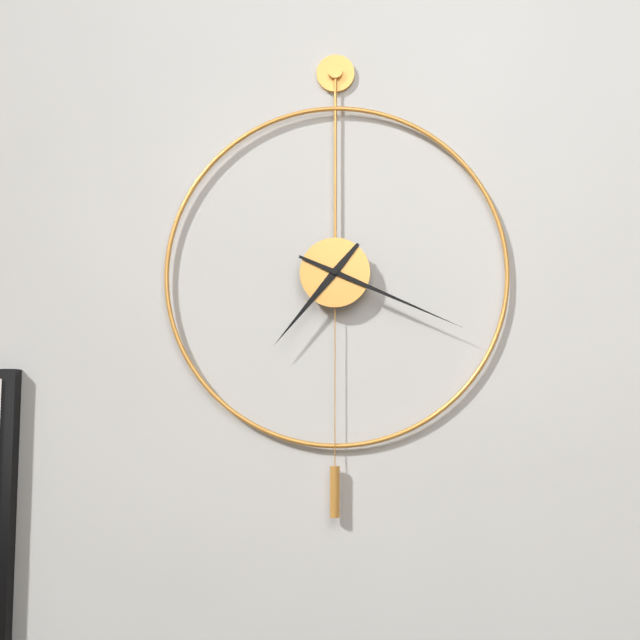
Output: **7:19**
